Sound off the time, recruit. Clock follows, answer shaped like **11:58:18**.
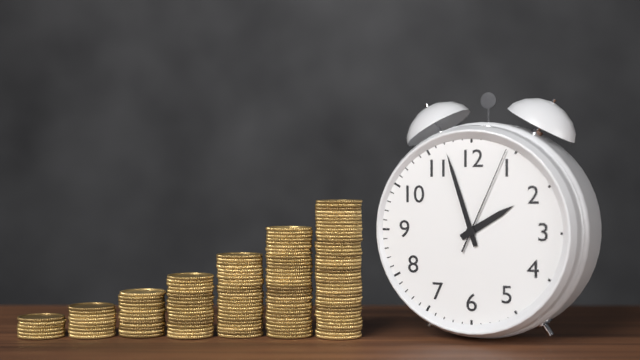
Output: **1:57:04**
